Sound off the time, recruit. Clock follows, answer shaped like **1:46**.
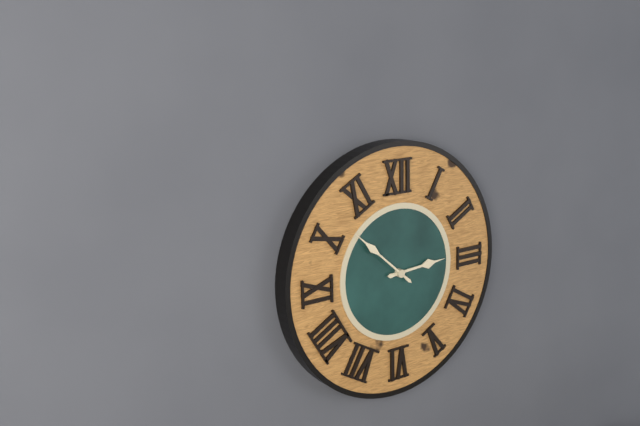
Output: **2:52**
